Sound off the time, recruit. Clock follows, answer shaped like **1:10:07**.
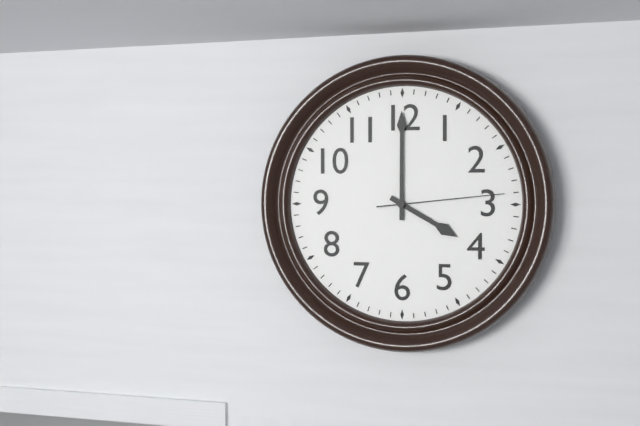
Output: **4:00:14**
